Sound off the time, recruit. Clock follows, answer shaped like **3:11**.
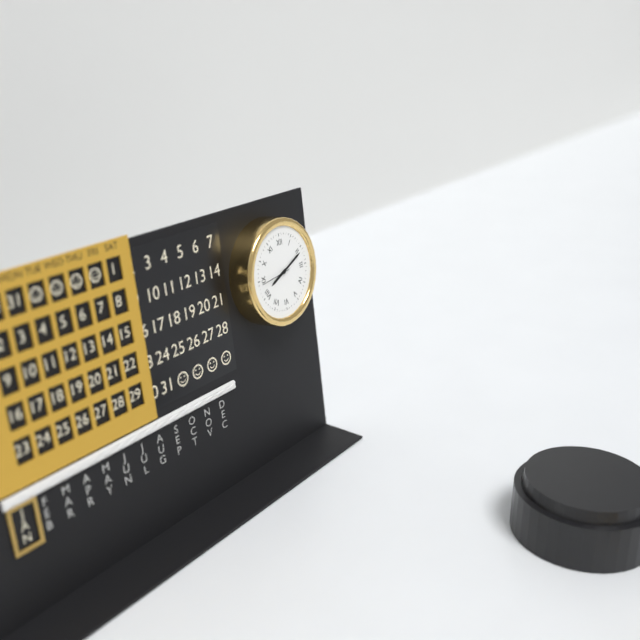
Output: **8:11**
